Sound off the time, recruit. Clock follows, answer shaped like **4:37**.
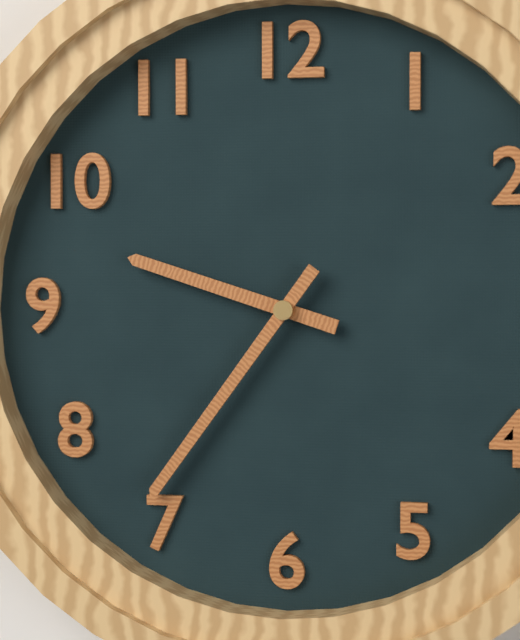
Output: **9:36**
